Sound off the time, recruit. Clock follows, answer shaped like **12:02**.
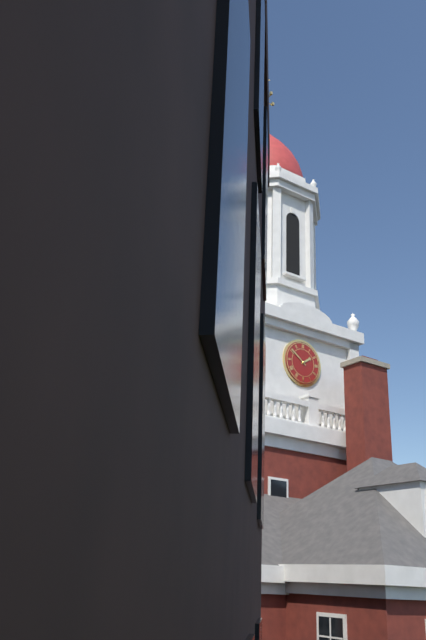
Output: **1:51**
